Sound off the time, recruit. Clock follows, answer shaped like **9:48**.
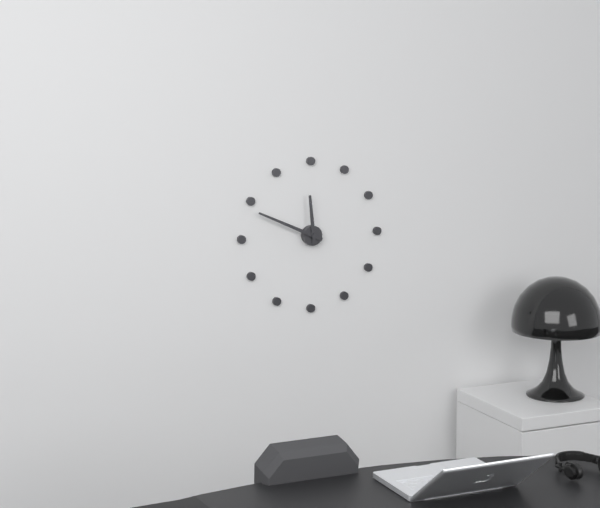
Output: **11:49**
